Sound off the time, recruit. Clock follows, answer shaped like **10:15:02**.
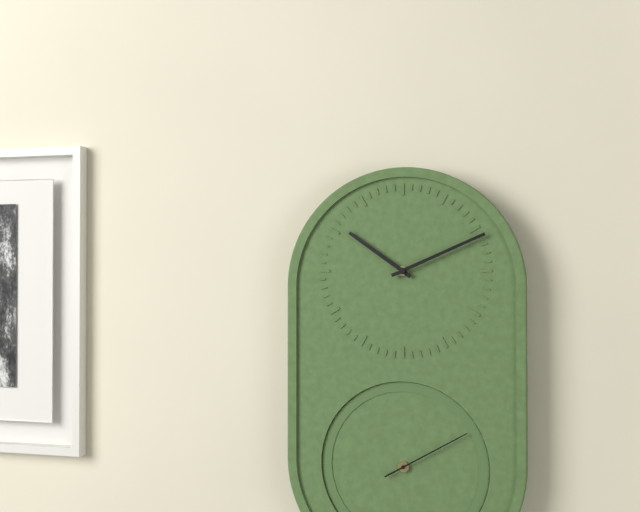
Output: **10:11:10**
